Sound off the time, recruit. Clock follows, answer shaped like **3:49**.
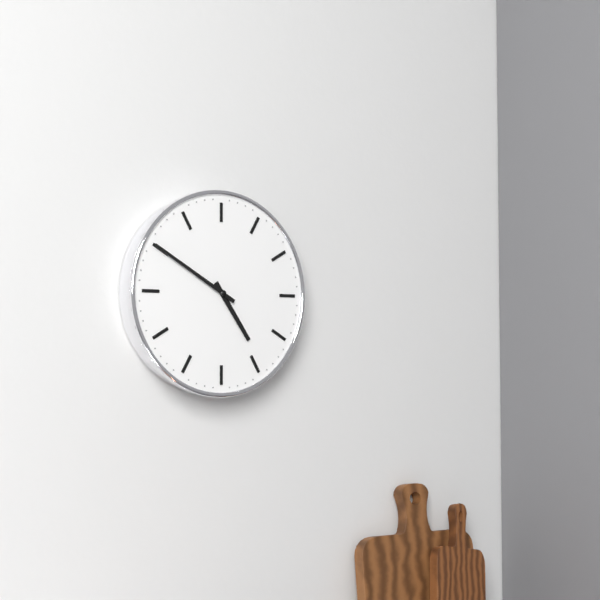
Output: **4:50**
